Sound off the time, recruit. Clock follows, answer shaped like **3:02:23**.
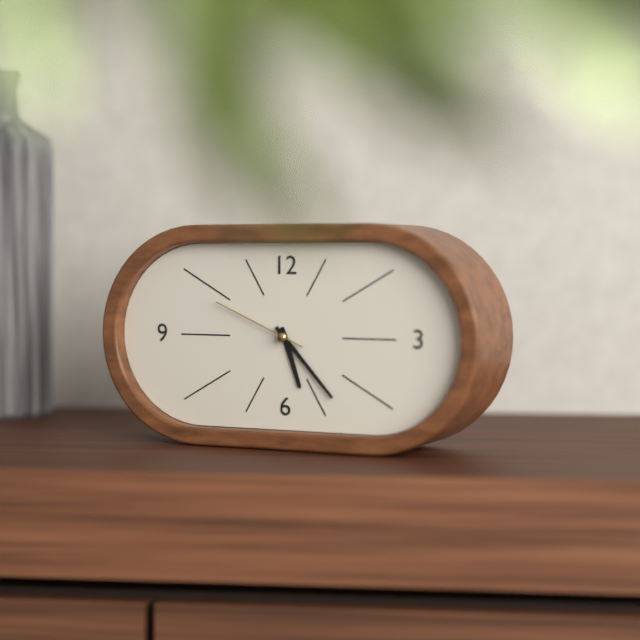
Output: **5:23:49**
